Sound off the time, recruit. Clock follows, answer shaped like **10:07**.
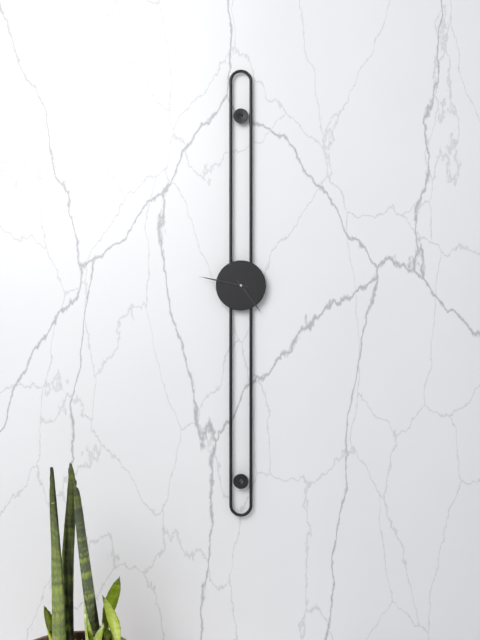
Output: **4:47**
